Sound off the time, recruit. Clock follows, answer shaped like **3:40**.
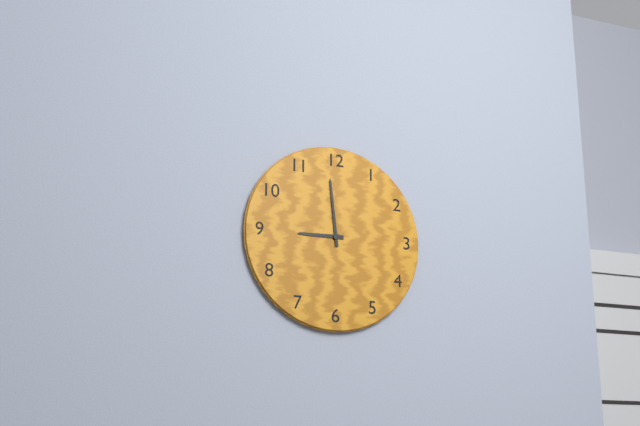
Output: **8:59**
